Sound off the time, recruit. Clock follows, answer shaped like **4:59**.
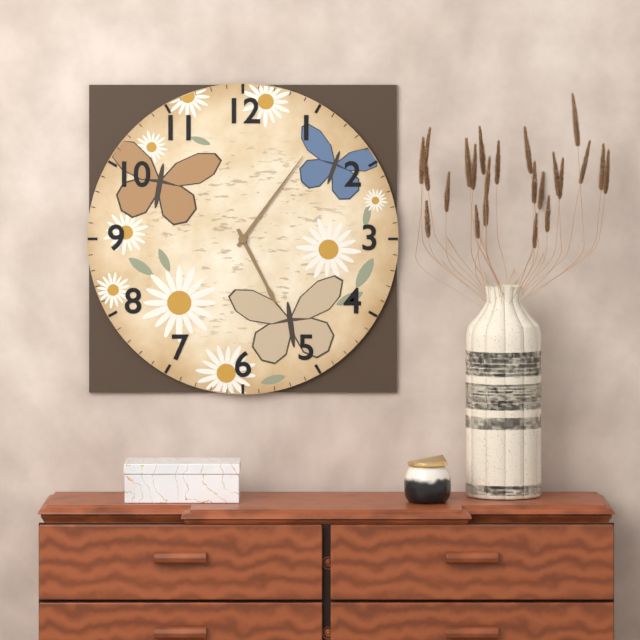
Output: **5:06**
